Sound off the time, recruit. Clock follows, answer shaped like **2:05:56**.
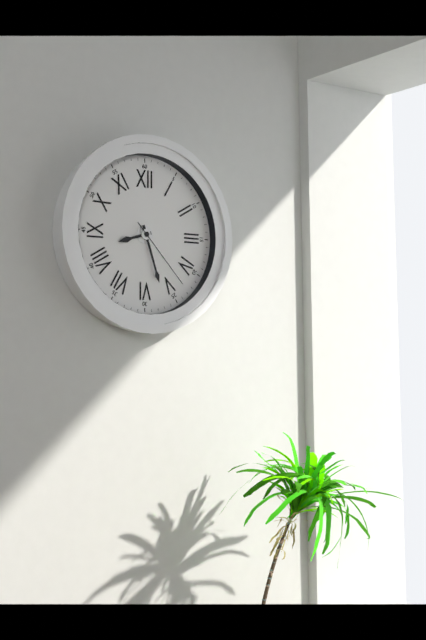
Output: **8:27:23**
